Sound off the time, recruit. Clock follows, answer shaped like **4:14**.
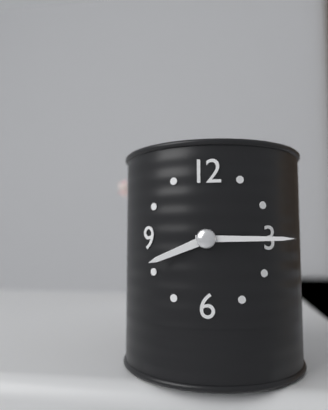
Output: **8:15**
